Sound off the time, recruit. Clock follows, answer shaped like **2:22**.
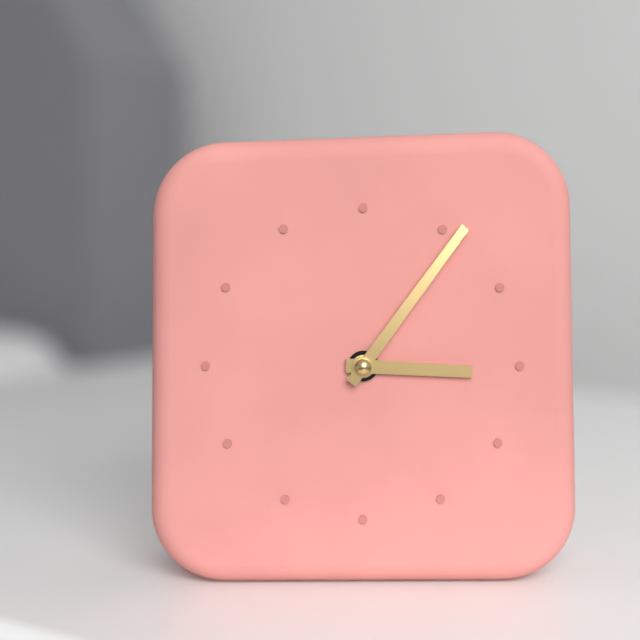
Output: **3:06**
